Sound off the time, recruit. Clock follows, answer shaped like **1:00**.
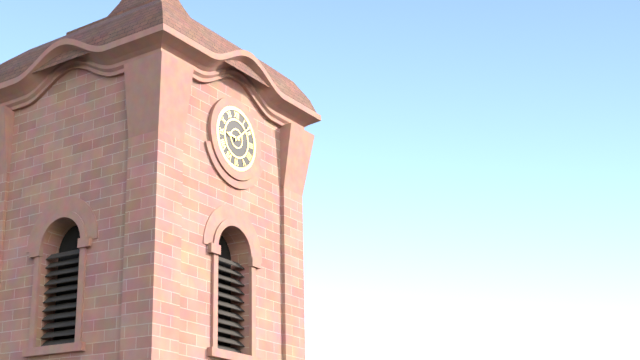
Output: **9:08**
